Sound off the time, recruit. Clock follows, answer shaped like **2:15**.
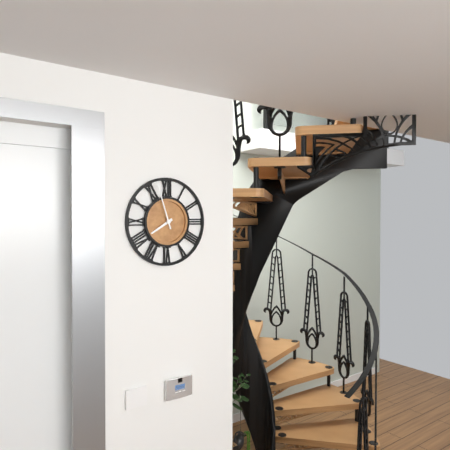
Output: **7:57**
